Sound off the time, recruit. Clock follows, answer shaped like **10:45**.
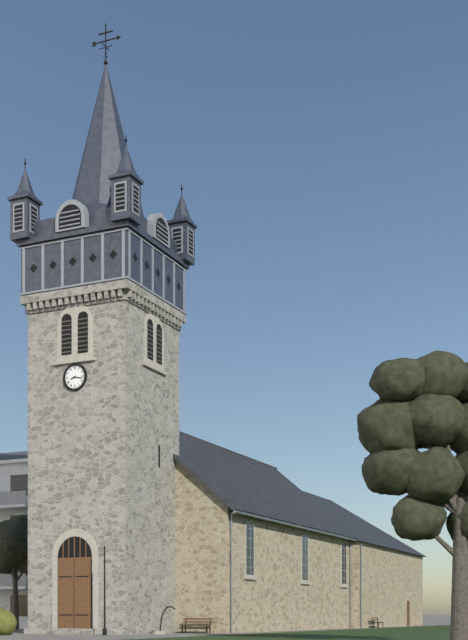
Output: **8:17**
